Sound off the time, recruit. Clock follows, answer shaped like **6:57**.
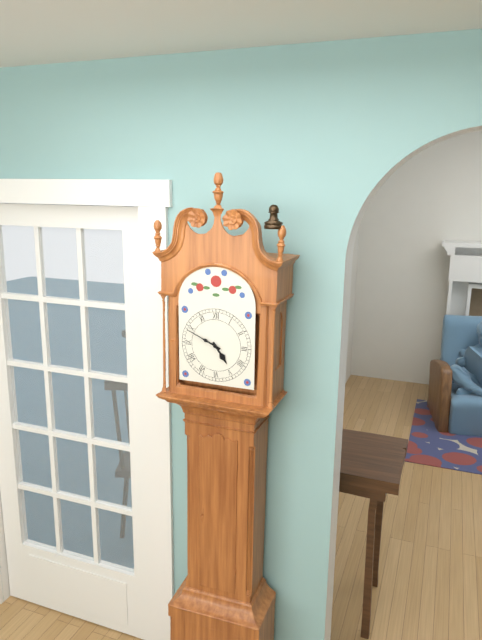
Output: **4:49**
